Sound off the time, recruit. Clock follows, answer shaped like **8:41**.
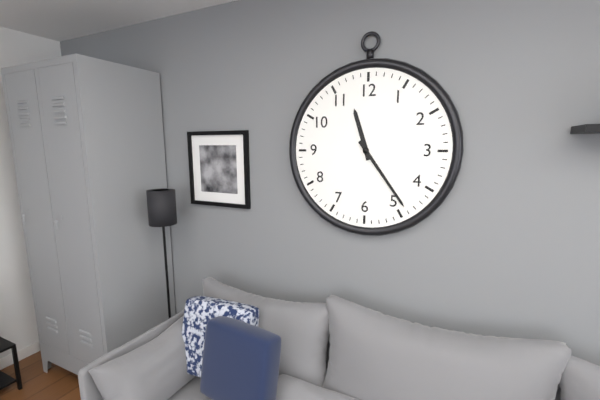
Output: **11:24**
